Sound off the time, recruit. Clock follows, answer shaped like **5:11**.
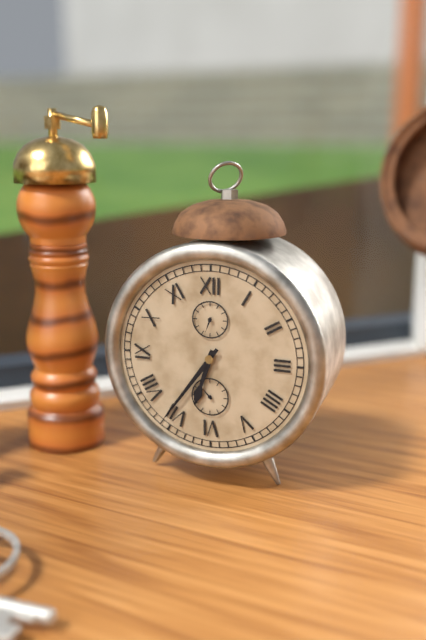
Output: **6:36**
